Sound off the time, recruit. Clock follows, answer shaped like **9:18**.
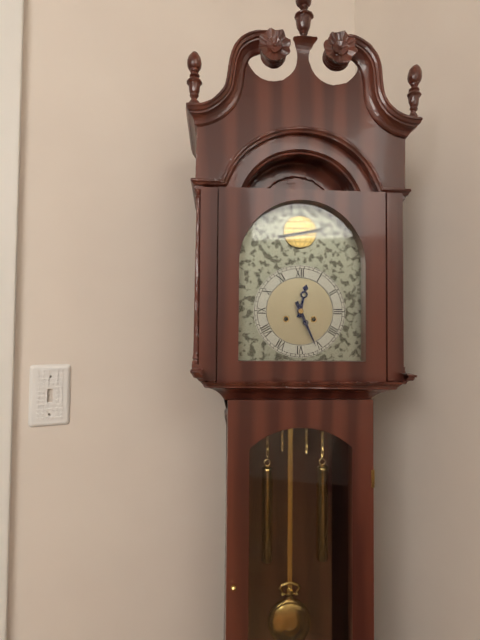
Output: **12:26**
